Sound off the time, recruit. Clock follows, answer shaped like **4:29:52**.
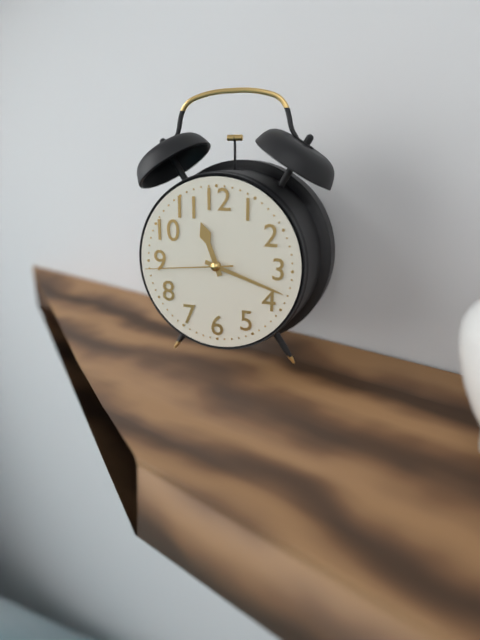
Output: **11:18:44**
